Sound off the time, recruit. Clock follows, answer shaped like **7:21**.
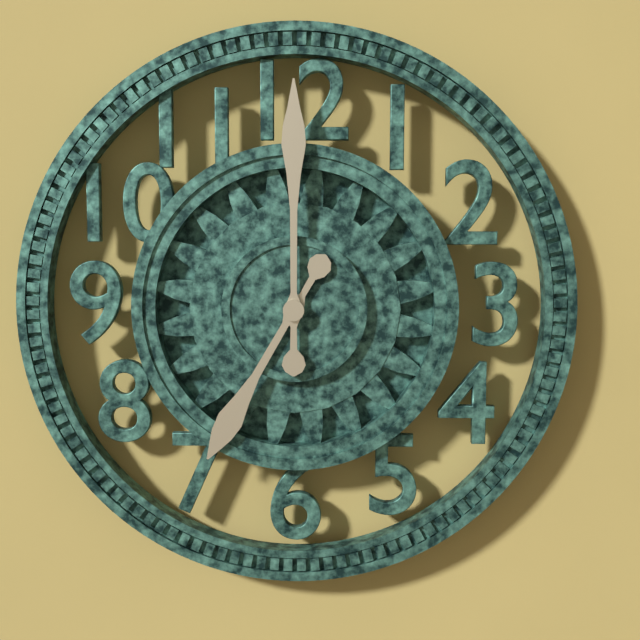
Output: **7:00**
